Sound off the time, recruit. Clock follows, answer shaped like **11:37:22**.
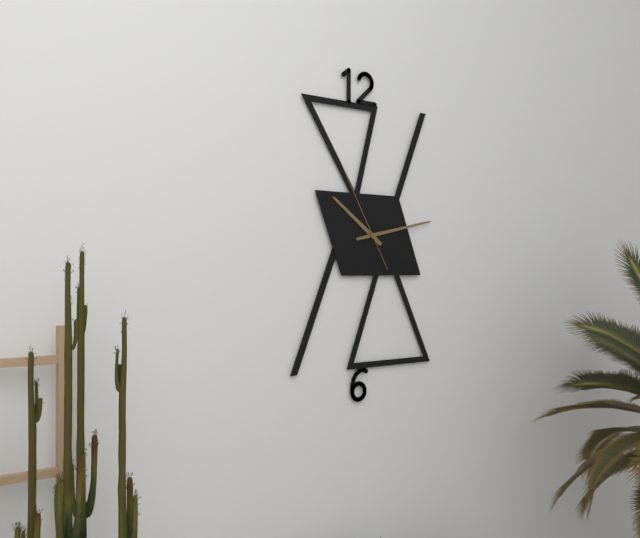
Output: **10:13:55**
